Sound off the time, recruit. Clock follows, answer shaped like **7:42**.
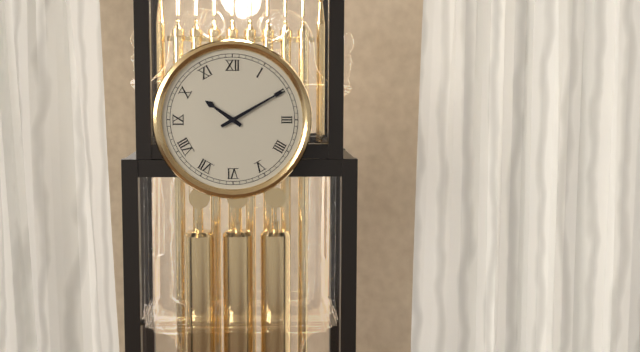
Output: **10:10**
